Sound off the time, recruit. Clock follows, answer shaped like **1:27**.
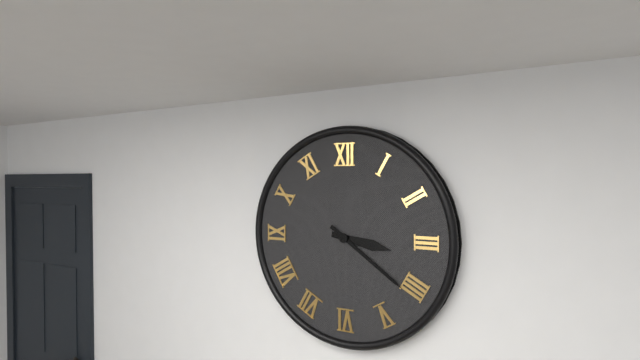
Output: **3:21**
